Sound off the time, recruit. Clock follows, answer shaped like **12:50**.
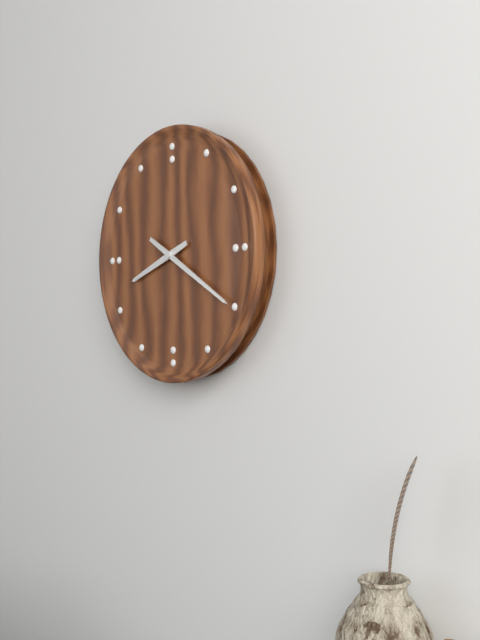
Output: **8:20**
